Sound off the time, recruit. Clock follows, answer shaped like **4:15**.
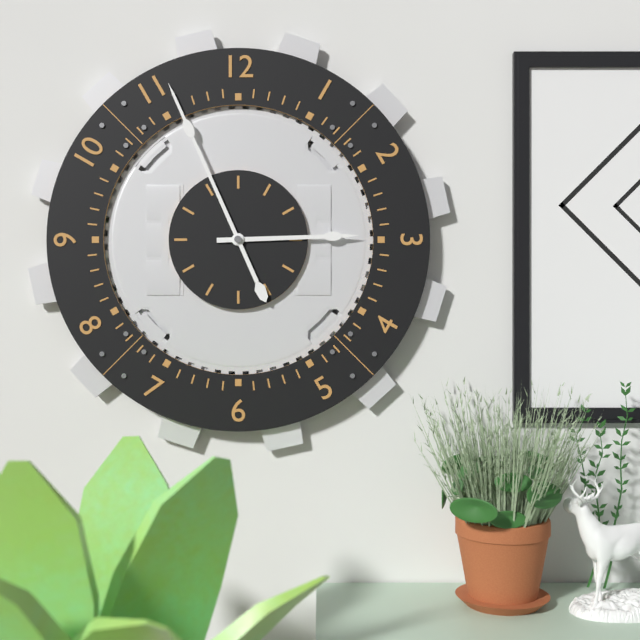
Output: **2:56**
